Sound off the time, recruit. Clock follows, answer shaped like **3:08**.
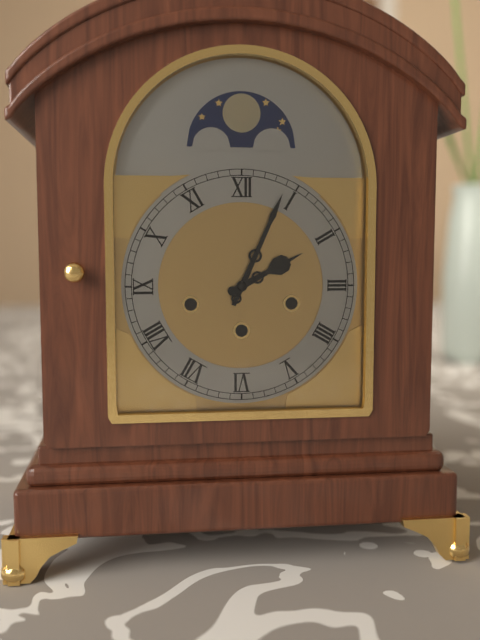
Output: **2:04**
